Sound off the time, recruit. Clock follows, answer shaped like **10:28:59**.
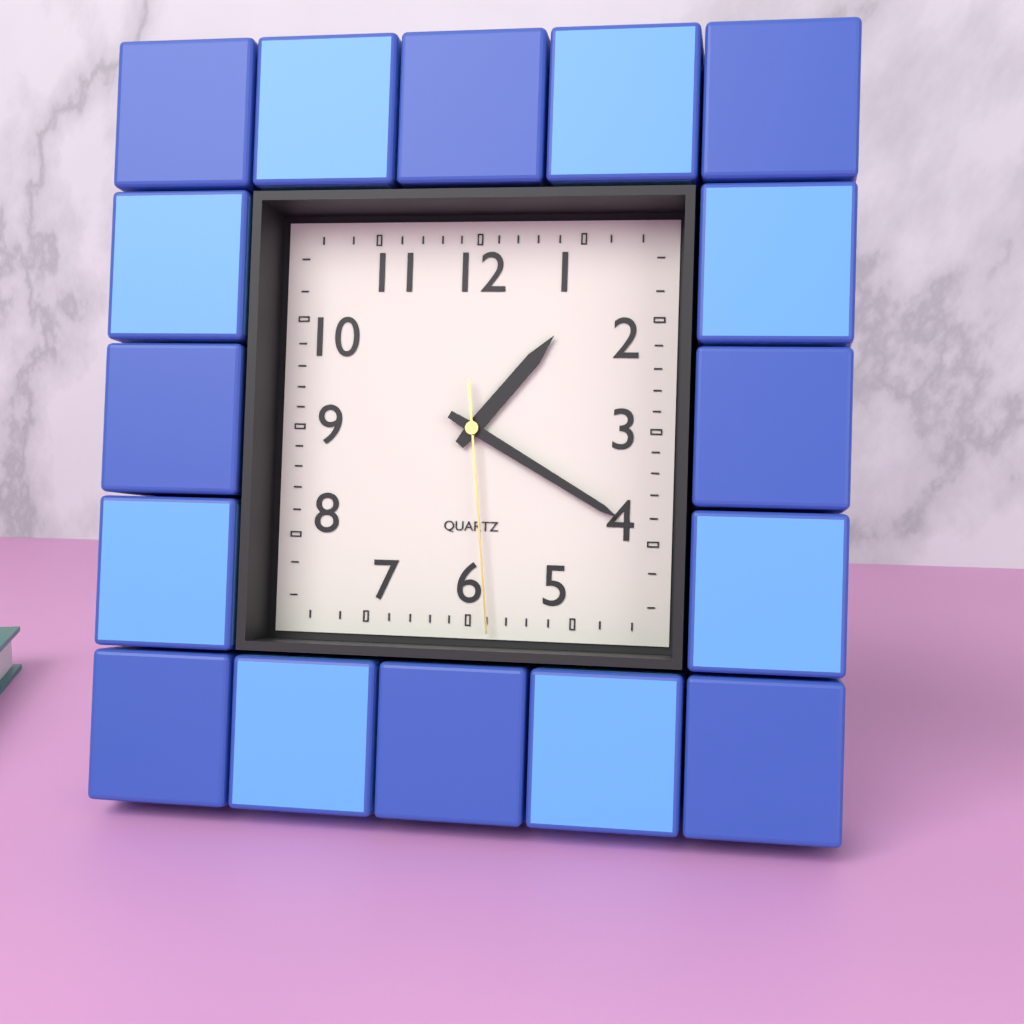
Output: **1:20:29**
